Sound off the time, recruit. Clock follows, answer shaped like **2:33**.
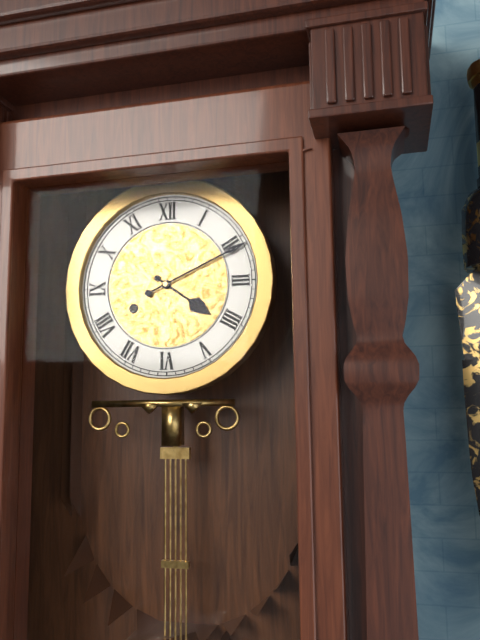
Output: **4:11**
